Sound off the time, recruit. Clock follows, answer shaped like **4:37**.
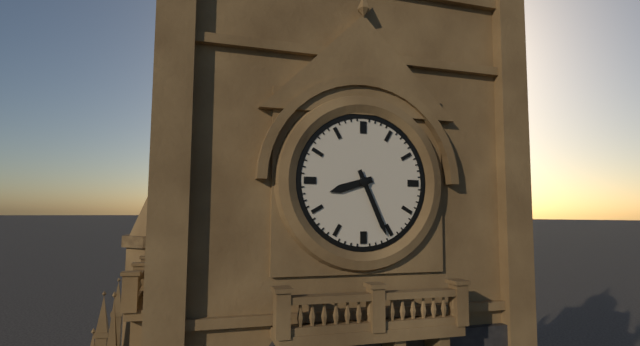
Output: **8:26**
